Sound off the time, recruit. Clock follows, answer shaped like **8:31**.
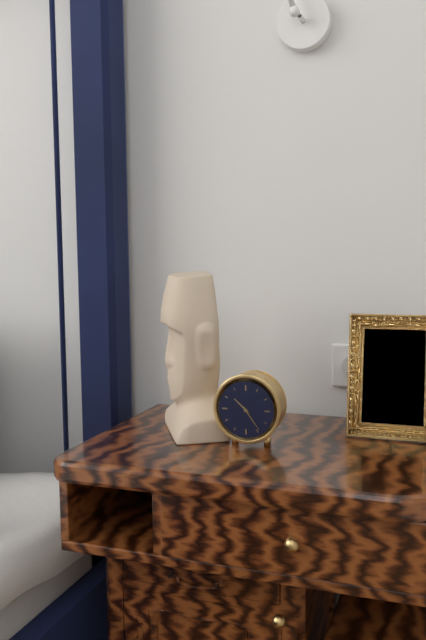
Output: **10:24**
